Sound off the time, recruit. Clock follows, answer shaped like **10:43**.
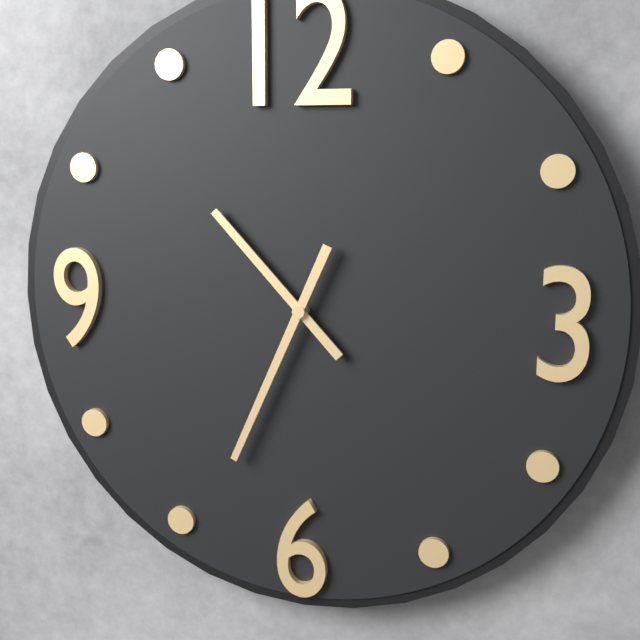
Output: **10:34**
